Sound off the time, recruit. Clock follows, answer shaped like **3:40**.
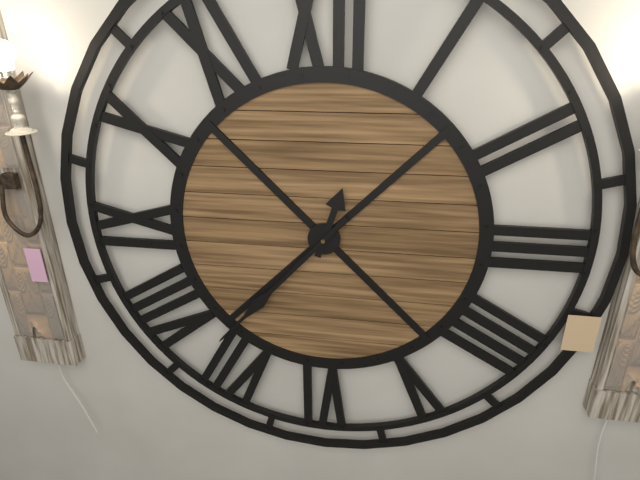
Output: **12:37**
